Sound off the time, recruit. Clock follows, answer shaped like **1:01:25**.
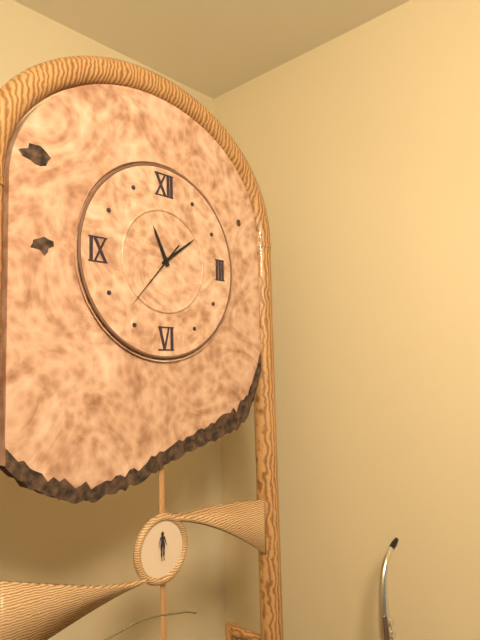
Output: **11:09:37**
